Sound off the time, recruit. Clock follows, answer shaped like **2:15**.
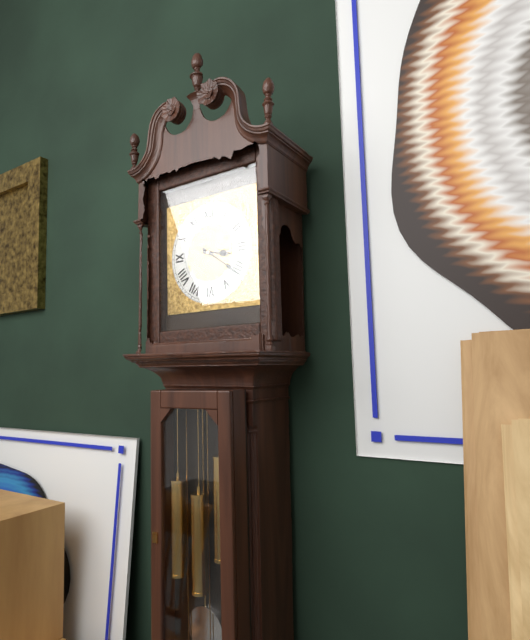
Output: **3:21**
